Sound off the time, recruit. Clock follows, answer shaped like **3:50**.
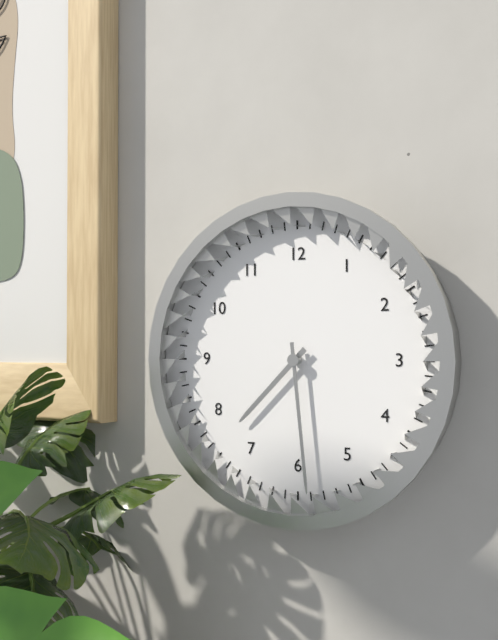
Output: **7:29**
